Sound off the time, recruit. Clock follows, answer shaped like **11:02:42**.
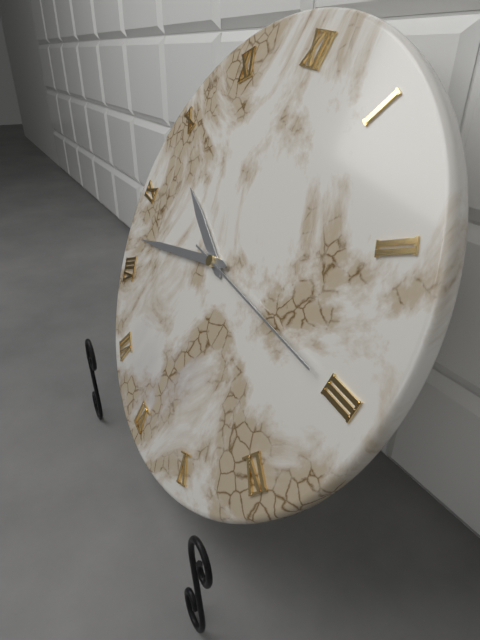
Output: **9:42:15**
